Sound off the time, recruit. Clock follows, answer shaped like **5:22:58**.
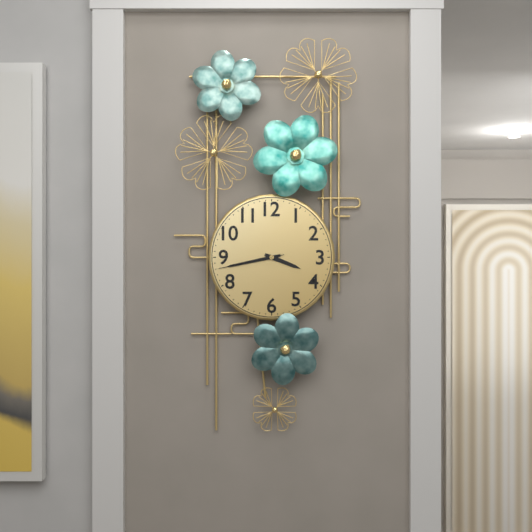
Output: **3:43:43**
